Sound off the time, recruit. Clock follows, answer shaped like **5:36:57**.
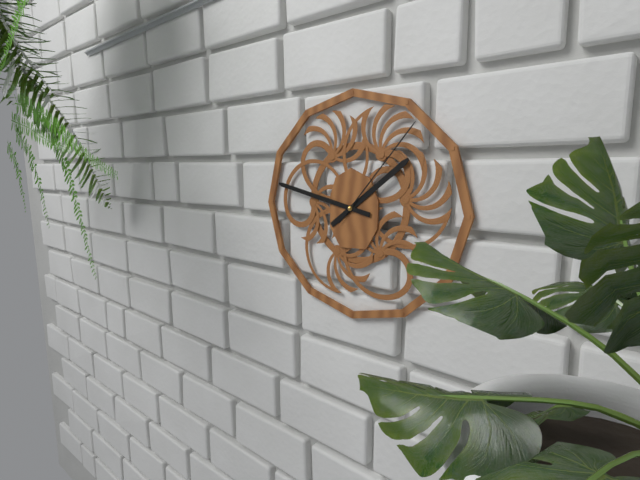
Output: **1:47:07**
